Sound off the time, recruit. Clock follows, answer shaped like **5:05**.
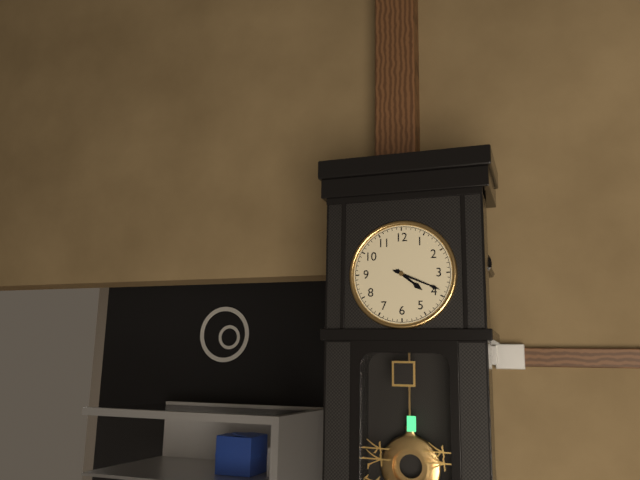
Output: **4:19**
